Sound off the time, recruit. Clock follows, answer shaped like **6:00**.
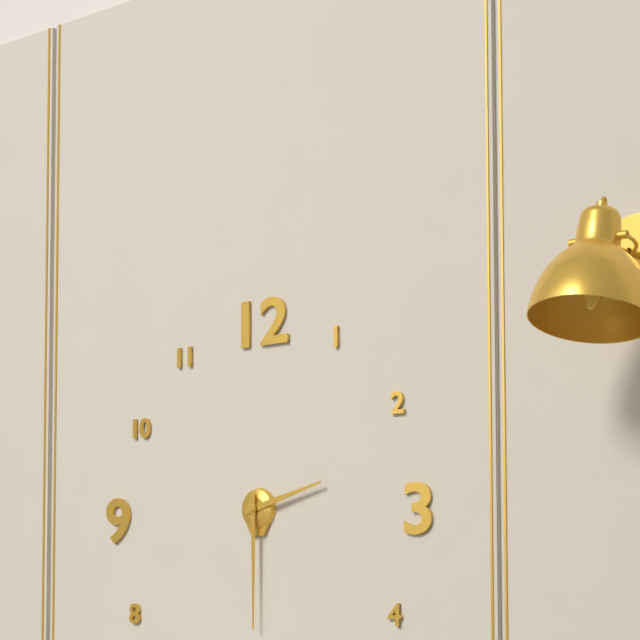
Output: **2:30**
